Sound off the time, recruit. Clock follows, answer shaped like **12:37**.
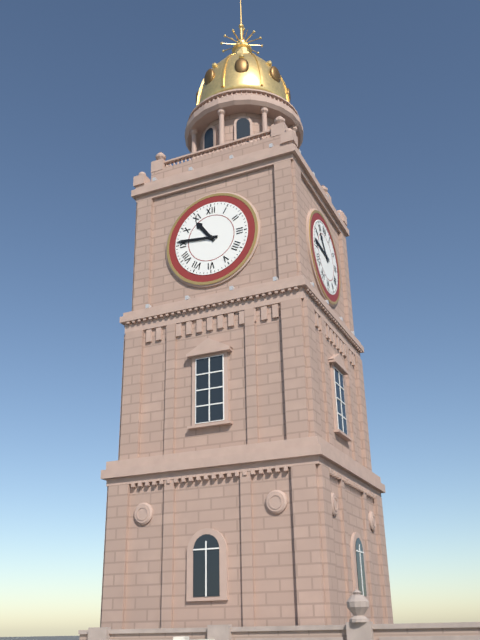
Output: **10:46**
